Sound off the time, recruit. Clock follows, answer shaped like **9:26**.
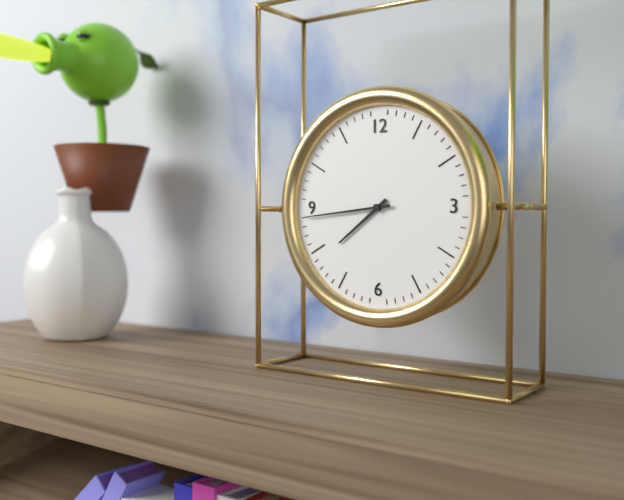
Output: **7:44**
